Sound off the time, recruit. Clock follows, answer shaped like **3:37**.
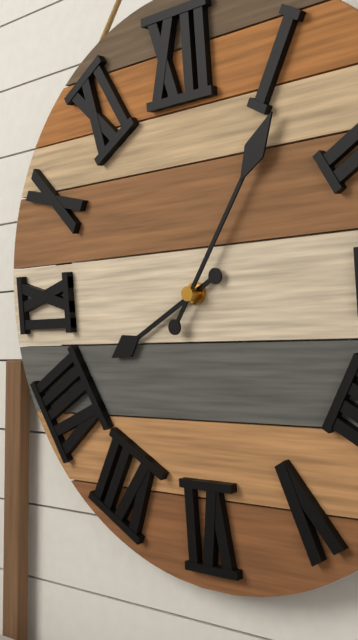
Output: **8:06**
